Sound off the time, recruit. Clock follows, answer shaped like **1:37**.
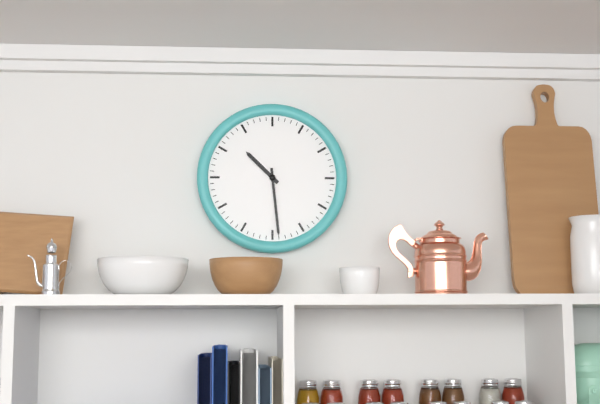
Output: **10:29**
